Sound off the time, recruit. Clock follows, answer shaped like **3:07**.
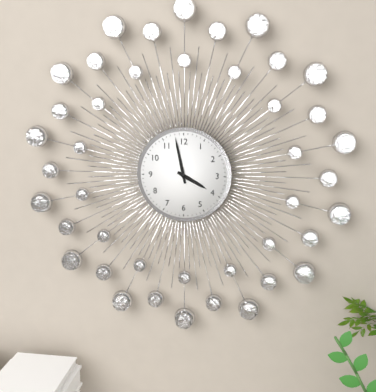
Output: **3:58**
